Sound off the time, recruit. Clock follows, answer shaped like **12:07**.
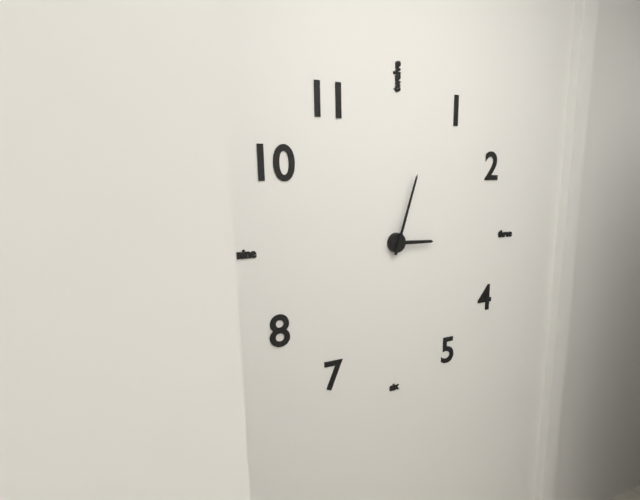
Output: **3:03**
